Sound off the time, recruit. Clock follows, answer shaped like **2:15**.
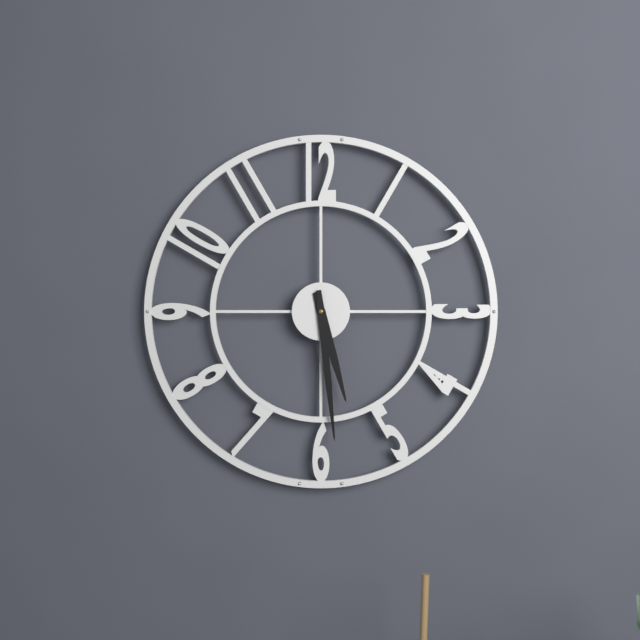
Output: **5:29**
